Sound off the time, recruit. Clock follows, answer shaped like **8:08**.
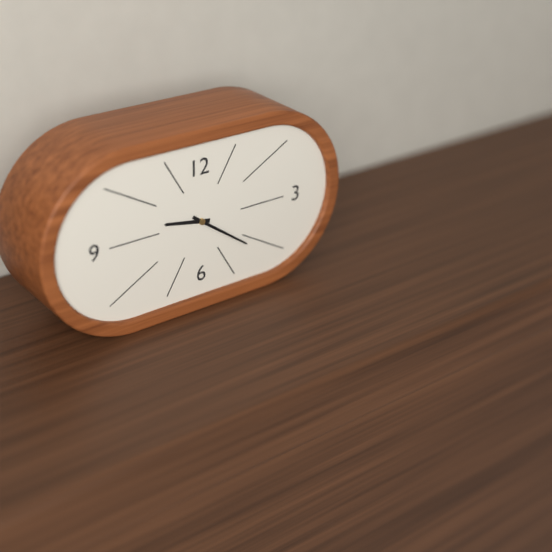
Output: **9:21**
